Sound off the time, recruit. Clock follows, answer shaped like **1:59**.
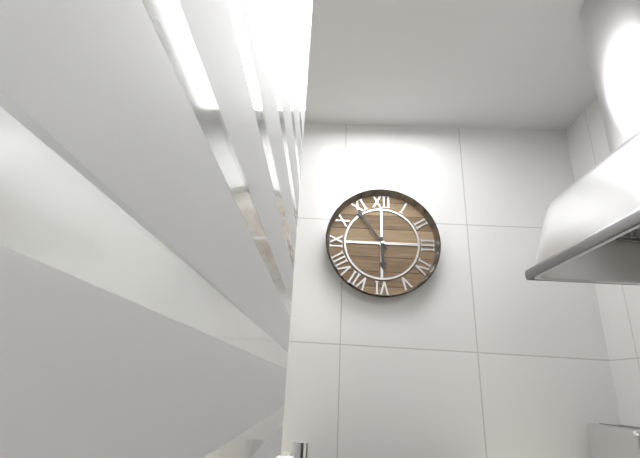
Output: **5:54**
